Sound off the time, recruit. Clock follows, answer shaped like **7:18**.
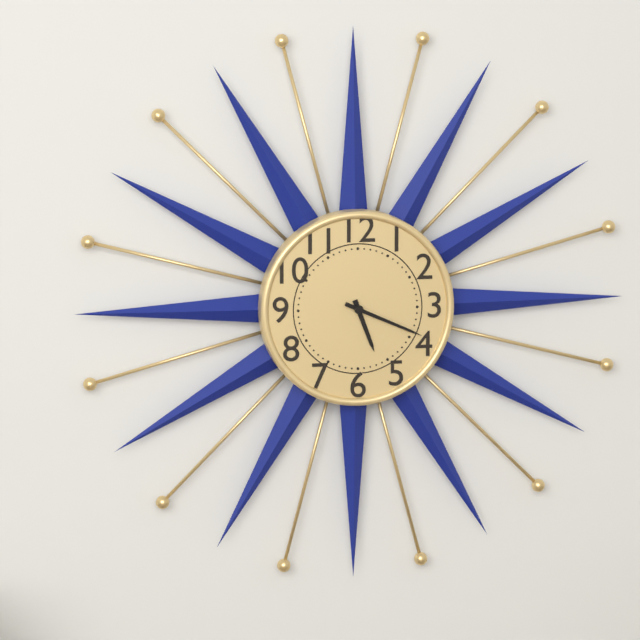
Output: **5:19**
